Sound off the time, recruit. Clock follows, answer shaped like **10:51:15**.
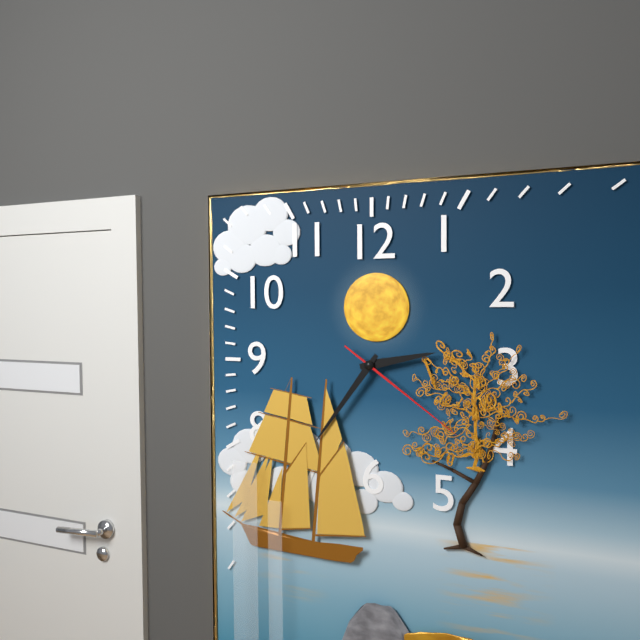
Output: **2:36:21**
